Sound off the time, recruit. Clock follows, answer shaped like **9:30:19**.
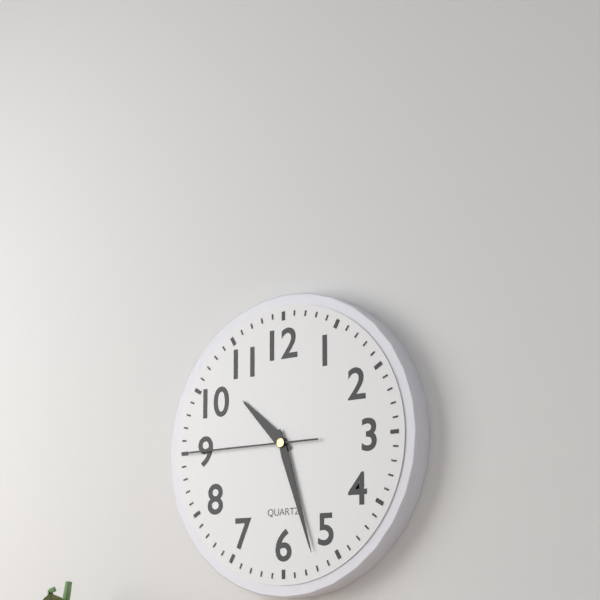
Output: **10:27:45**
